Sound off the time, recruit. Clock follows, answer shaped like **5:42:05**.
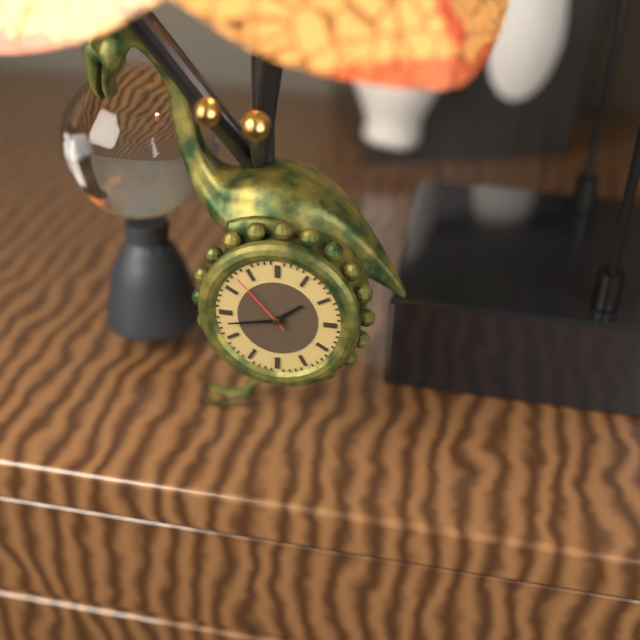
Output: **1:43:53**
